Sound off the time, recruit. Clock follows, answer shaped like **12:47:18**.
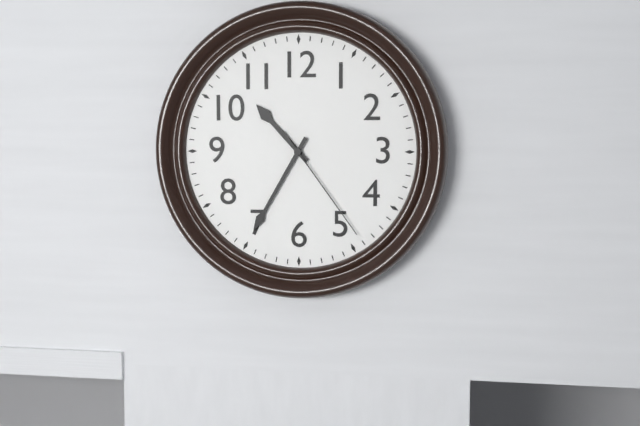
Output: **10:35:24**
